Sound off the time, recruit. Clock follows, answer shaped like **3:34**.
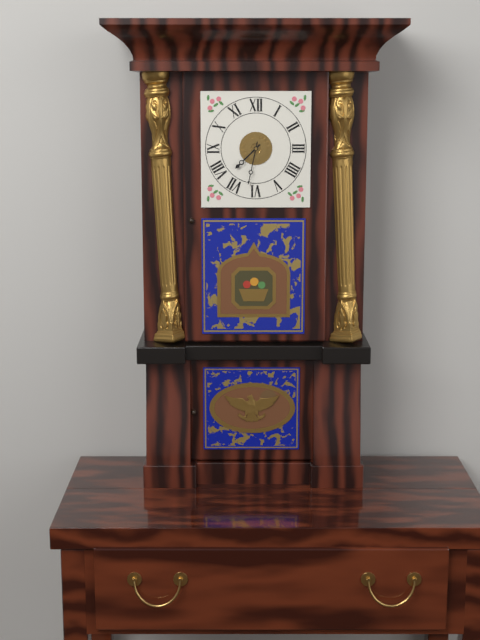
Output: **7:32**
